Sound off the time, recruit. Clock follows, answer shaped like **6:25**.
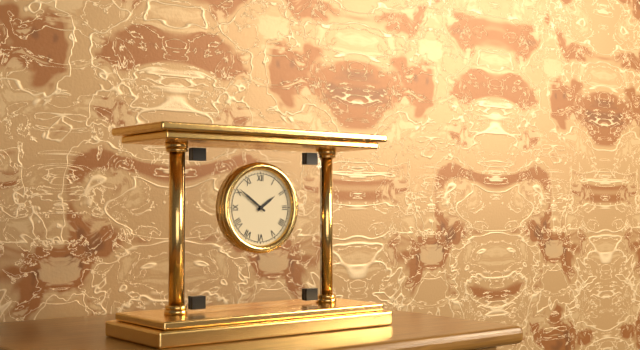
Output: **1:51**
